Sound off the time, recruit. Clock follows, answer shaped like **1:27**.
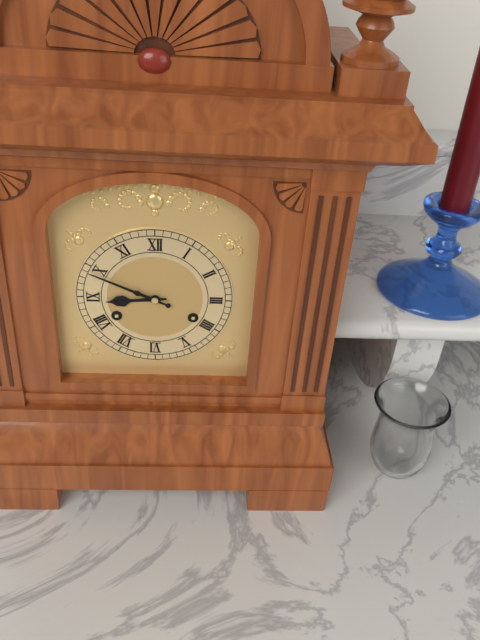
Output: **8:49**
